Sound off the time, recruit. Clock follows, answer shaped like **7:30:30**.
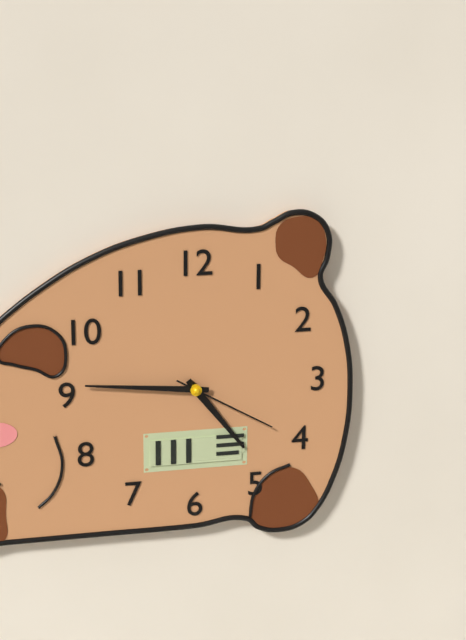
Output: **4:46:20**
